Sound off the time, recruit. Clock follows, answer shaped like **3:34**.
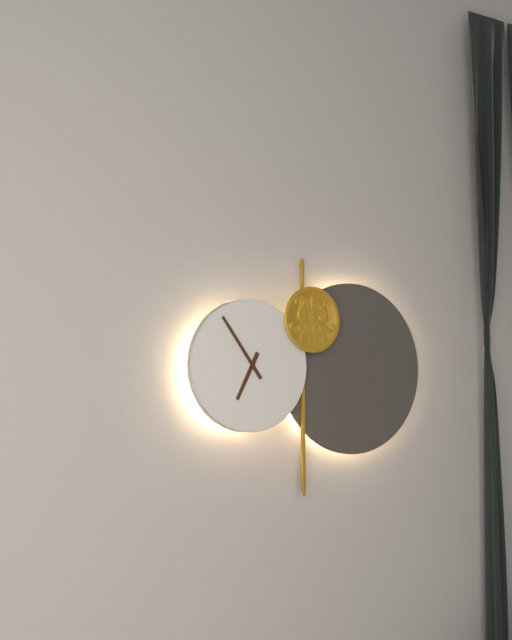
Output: **6:54**
